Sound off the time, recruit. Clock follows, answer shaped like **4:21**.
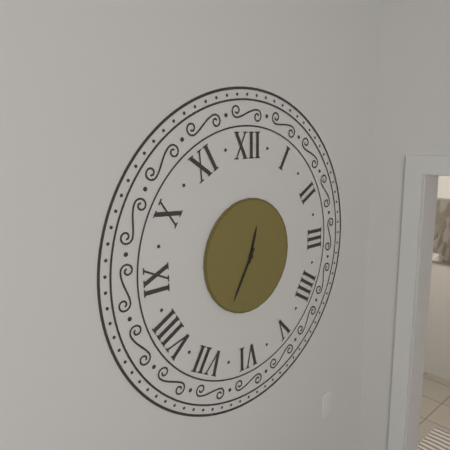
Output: **12:35**
